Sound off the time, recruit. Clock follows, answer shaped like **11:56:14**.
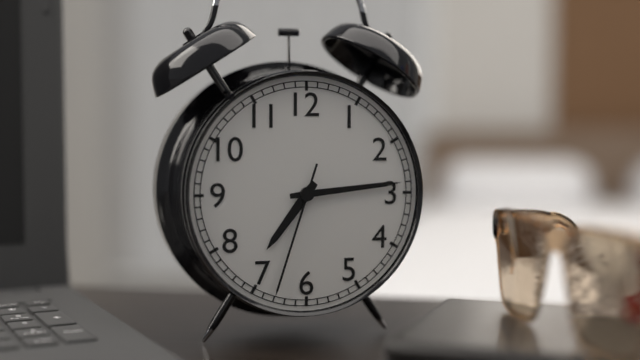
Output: **7:14:33**
